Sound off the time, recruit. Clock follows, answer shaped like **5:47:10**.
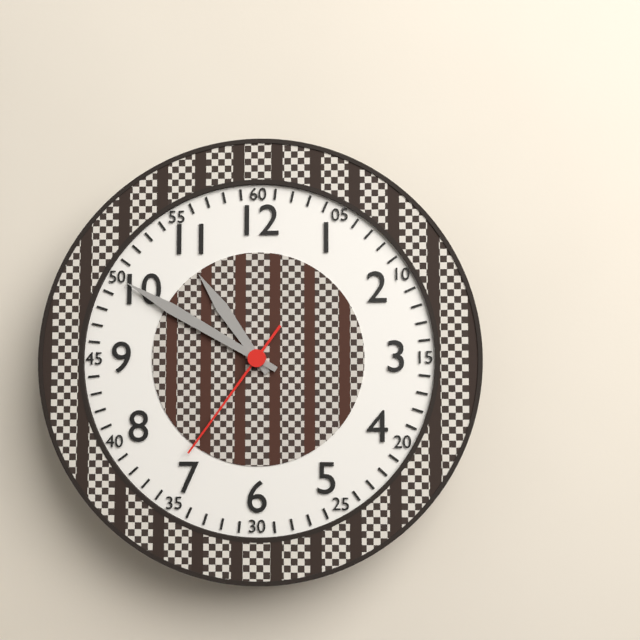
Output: **10:50:36**
